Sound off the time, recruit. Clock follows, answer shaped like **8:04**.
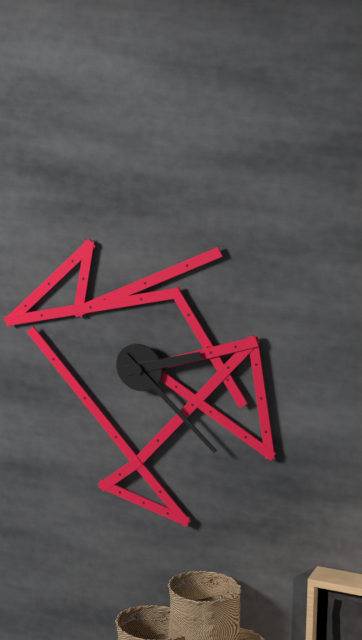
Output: **2:22**
